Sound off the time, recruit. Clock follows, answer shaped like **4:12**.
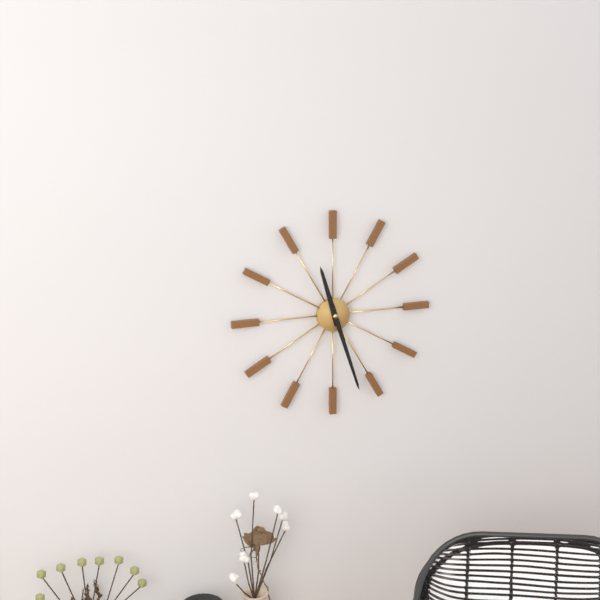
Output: **11:27**
